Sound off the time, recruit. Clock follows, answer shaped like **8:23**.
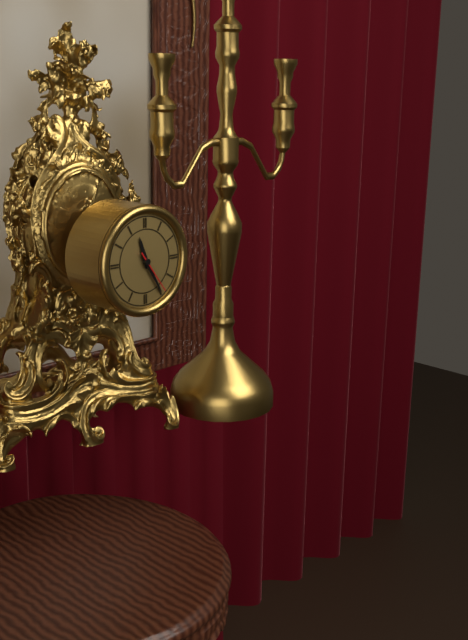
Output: **11:25**
